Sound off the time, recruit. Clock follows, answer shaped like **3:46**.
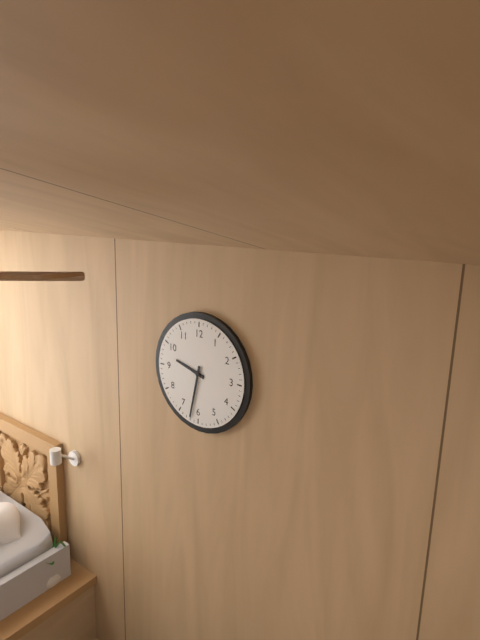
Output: **9:32**
